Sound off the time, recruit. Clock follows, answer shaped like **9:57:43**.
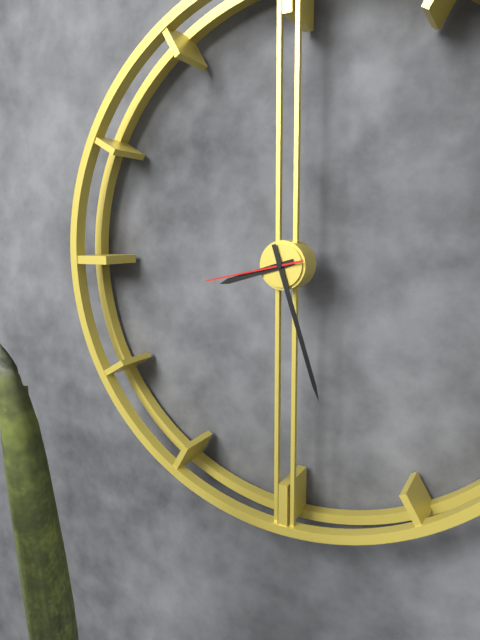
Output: **8:27:43**
